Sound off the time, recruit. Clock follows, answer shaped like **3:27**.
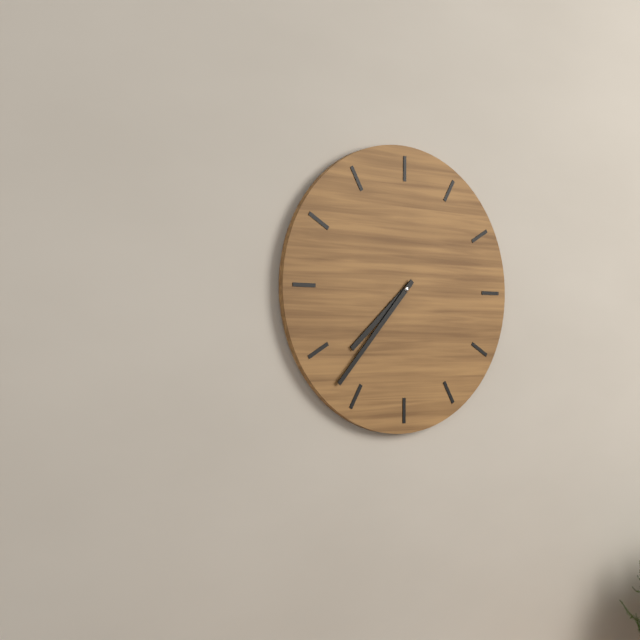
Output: **7:37**
